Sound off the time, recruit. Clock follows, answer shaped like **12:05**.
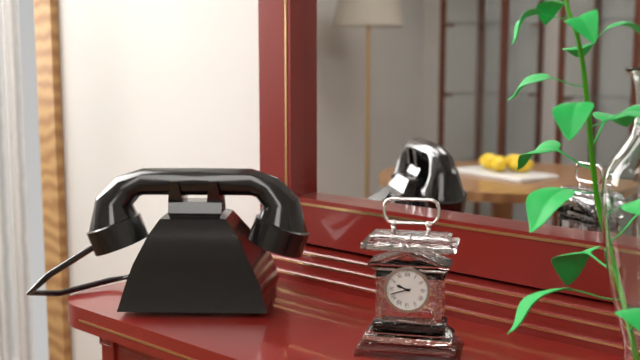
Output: **9:42**
